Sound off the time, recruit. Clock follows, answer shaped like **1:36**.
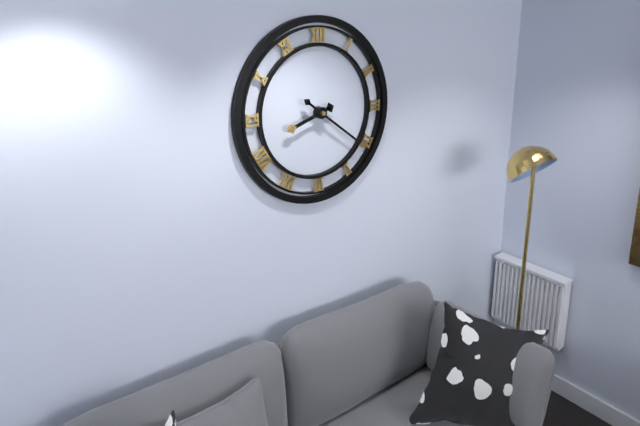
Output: **8:21**
